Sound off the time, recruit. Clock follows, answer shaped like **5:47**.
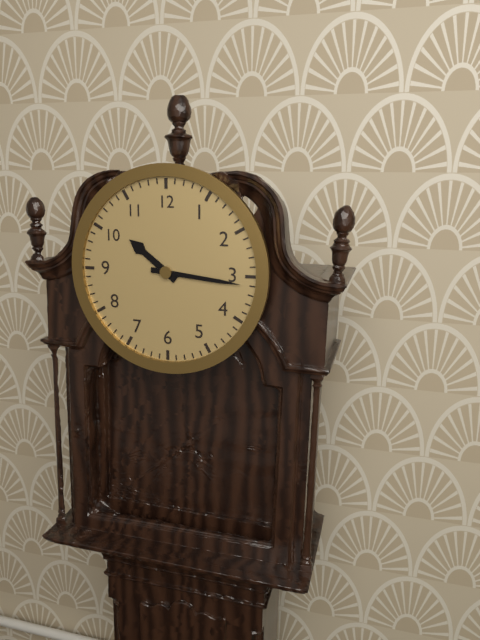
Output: **10:16**
